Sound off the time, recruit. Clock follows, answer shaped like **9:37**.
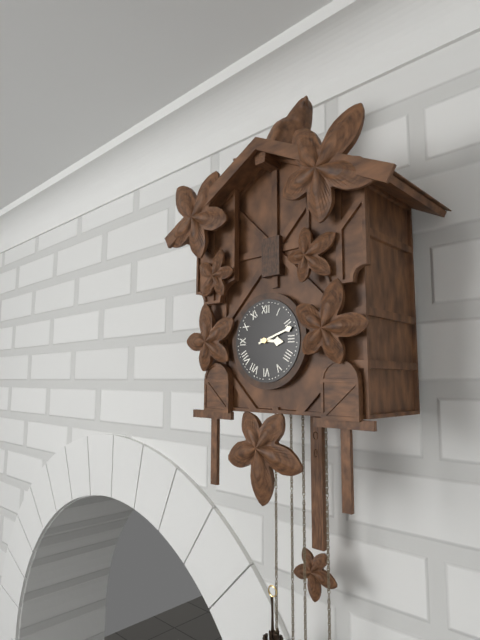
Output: **3:12**
